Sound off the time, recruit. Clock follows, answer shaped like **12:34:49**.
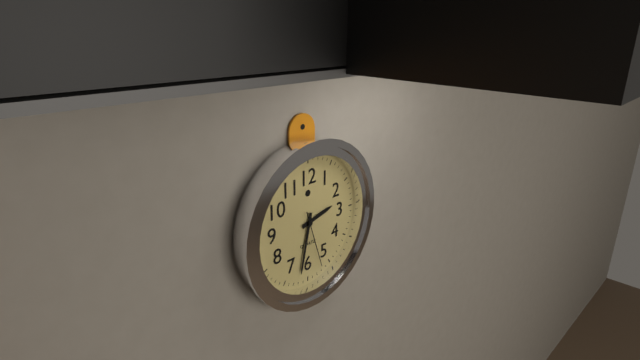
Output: **2:32:27**
